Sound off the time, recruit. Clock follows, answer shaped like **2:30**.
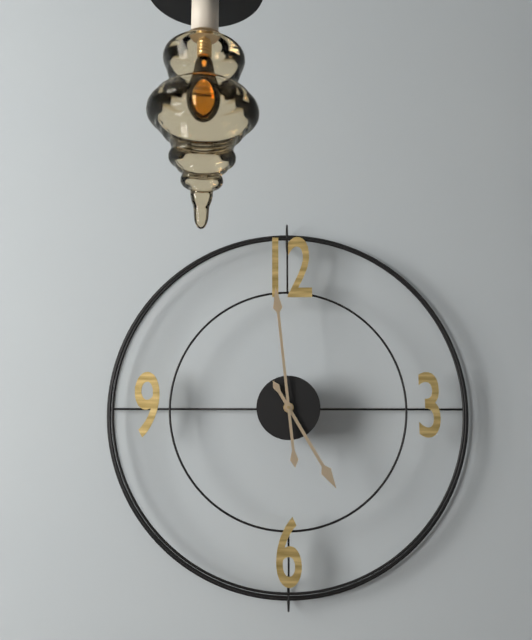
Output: **4:59**
